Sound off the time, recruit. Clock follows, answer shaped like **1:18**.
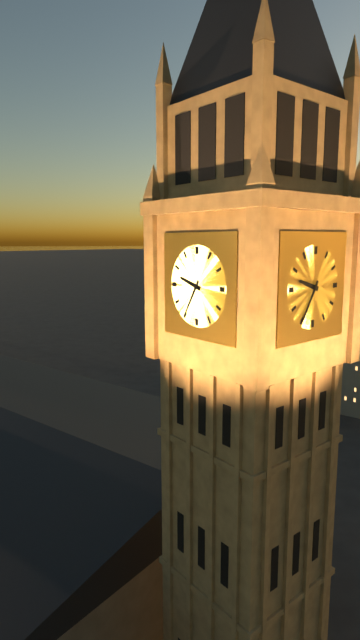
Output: **9:35**
